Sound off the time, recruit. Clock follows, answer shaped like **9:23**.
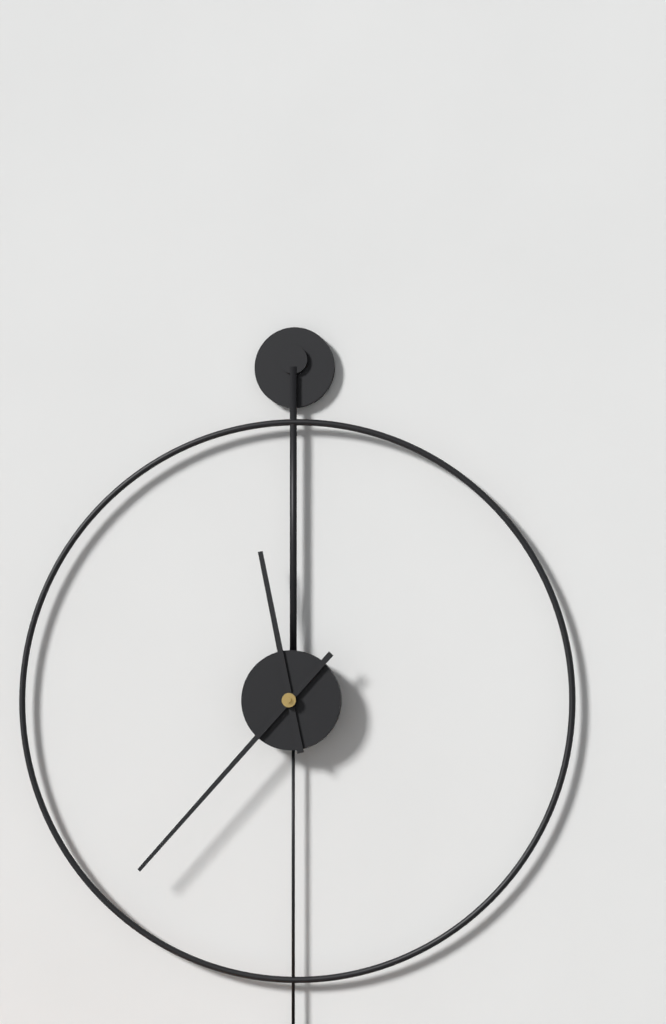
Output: **11:37**
